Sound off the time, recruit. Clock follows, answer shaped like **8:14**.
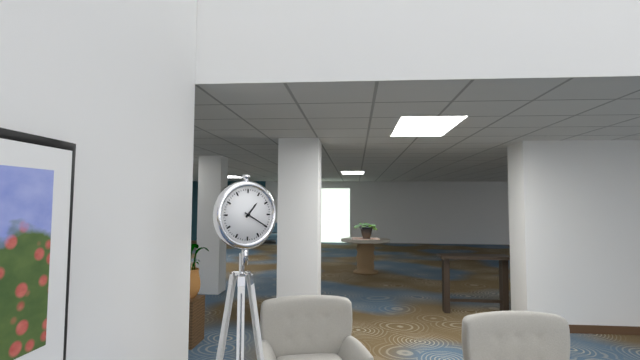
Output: **1:20**
